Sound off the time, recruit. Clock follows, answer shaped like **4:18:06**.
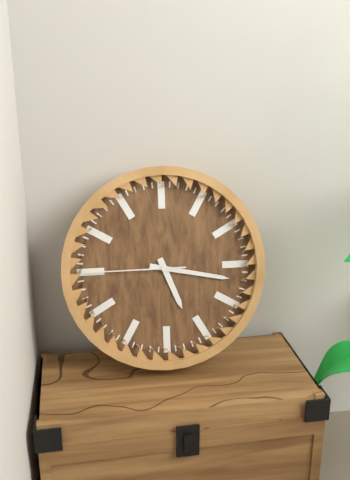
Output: **5:17:45**
